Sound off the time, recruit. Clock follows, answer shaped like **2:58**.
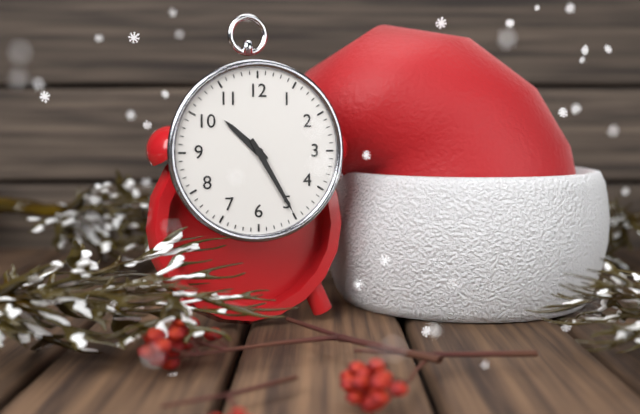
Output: **10:25**
